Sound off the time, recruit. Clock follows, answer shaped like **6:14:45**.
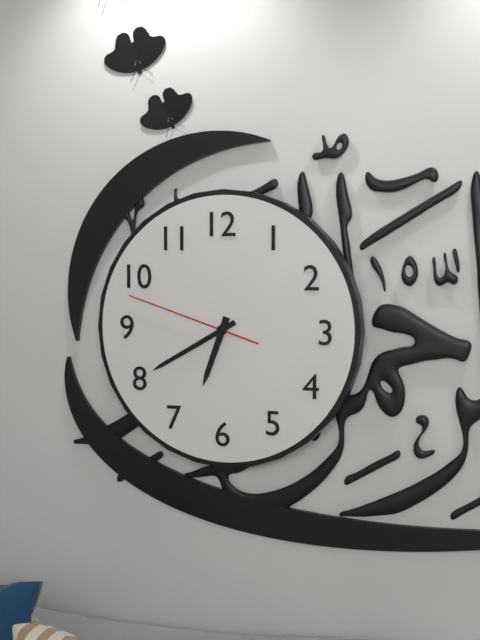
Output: **6:40:48**
